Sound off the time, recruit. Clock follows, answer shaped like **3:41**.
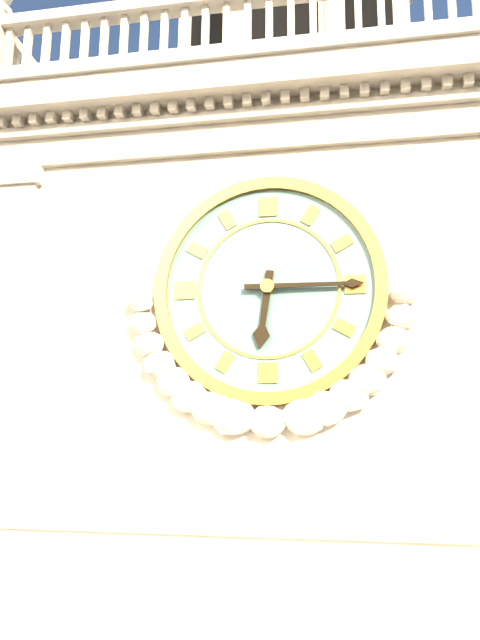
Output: **6:15**
